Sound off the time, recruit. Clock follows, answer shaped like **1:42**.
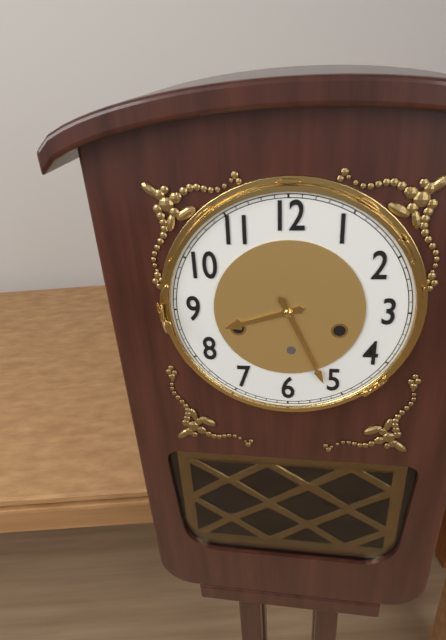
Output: **8:26**
